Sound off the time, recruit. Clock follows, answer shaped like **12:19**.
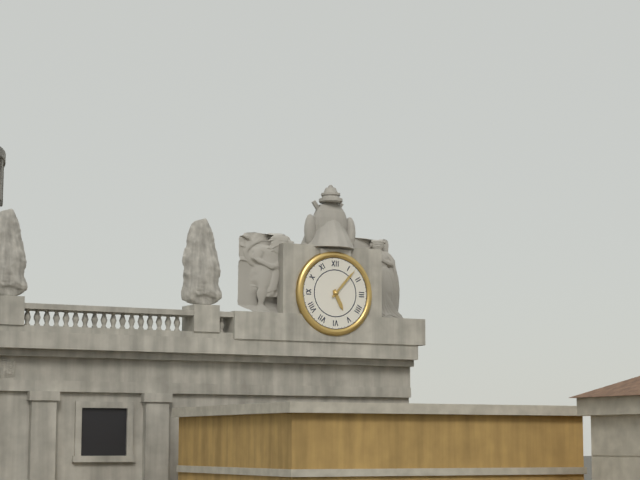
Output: **5:07**
